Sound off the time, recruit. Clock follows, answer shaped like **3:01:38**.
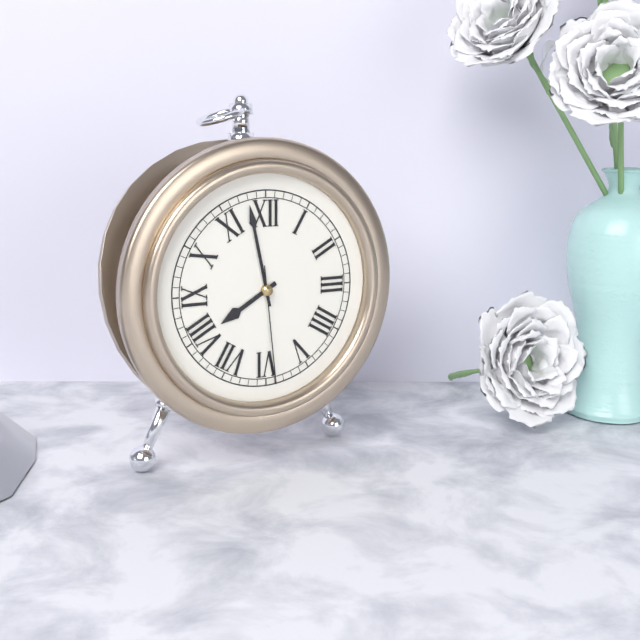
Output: **7:58:29**
